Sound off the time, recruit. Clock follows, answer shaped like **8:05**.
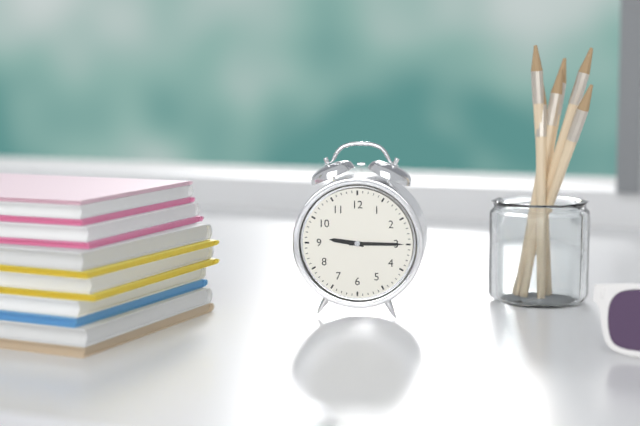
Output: **9:15**
